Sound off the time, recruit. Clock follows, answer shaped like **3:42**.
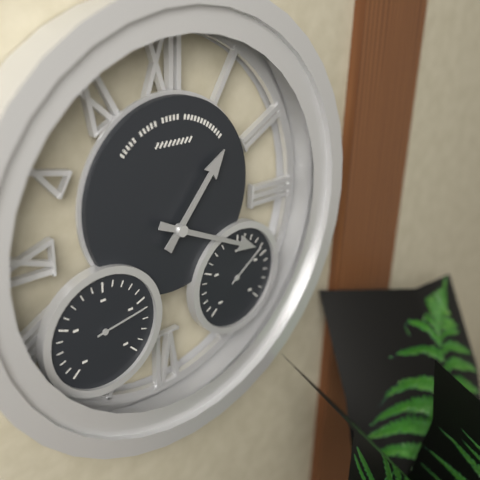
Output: **1:19**
